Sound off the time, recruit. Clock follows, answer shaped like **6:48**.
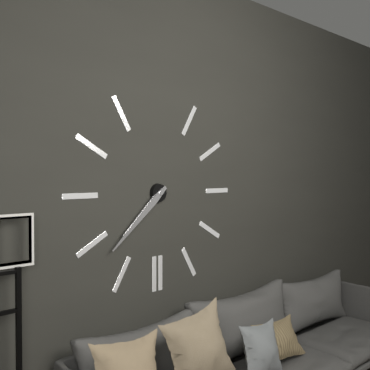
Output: **7:38**
